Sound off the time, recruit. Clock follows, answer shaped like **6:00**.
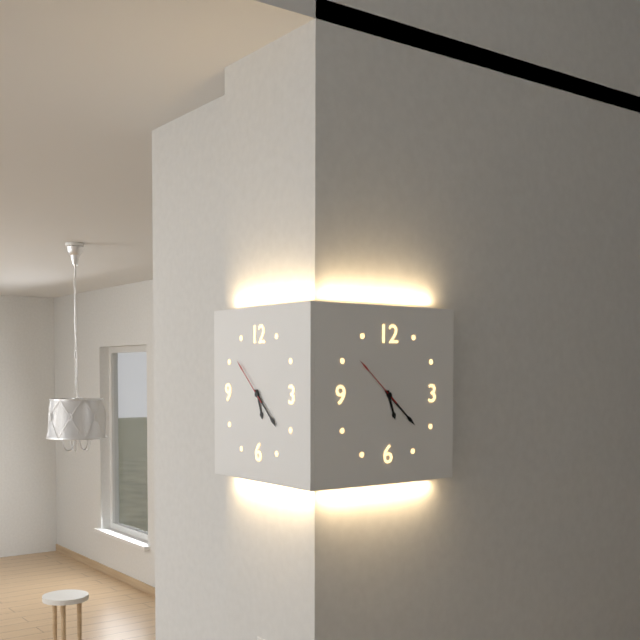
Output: **5:22**
